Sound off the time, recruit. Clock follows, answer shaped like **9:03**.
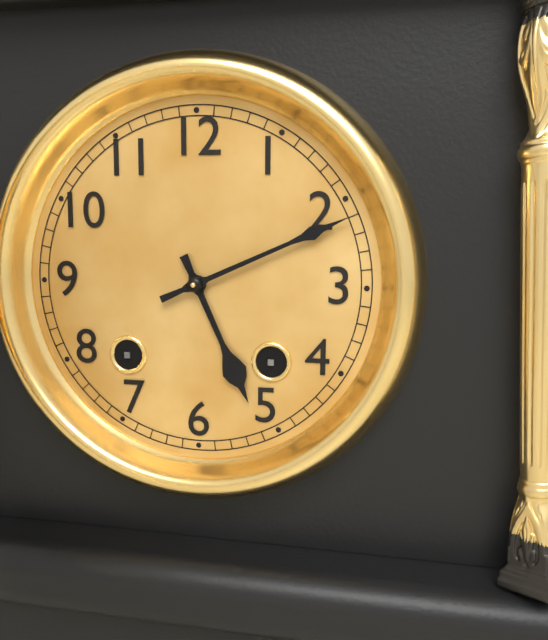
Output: **5:11**
